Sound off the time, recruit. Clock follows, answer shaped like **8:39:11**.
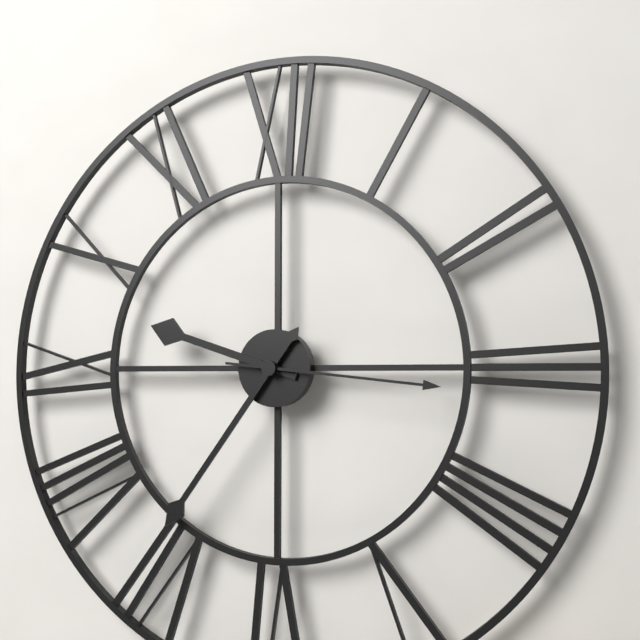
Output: **9:36:16**
